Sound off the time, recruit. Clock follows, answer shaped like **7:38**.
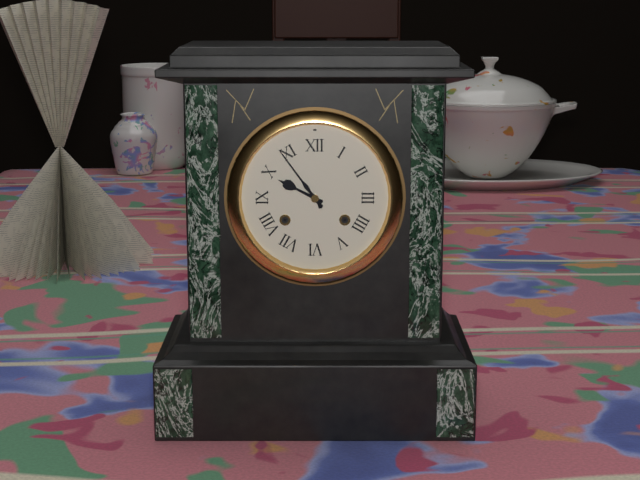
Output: **9:54**
